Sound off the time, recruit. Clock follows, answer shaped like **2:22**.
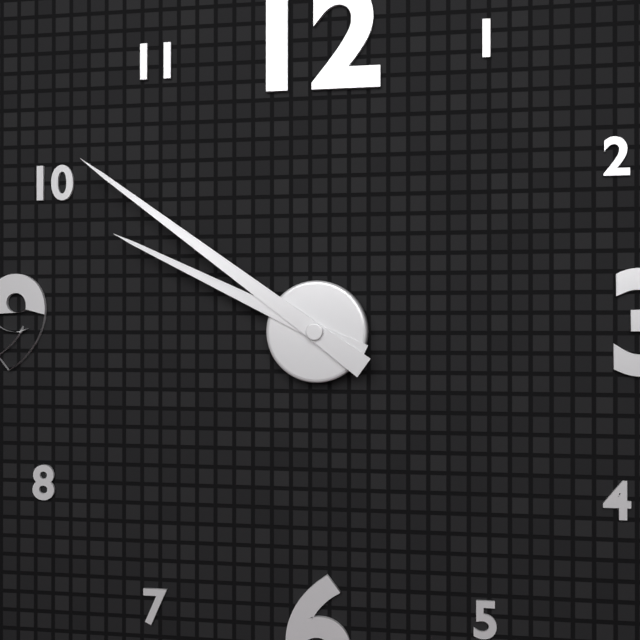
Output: **9:51**
